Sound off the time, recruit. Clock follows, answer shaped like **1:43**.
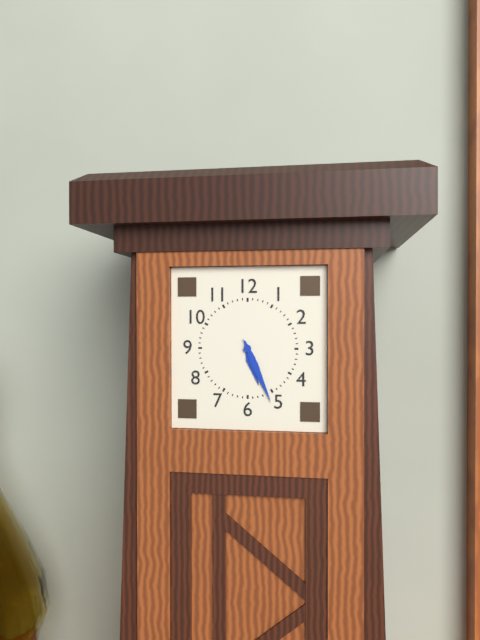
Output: **5:26**
